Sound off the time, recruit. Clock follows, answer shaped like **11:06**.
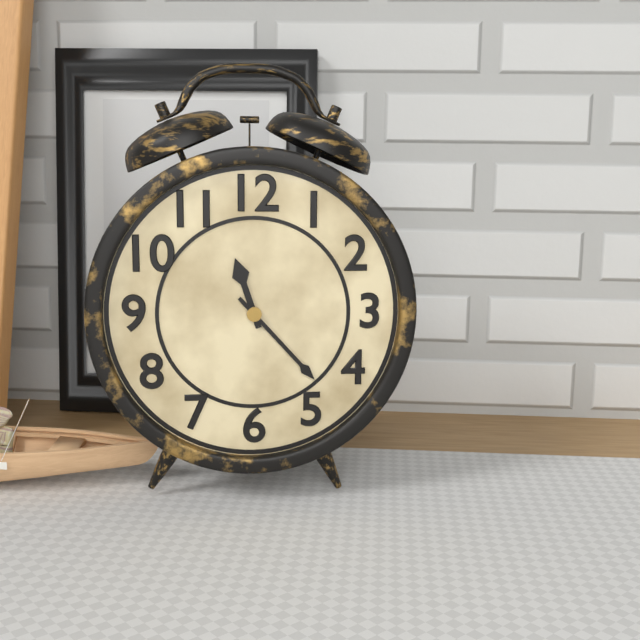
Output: **11:23**
